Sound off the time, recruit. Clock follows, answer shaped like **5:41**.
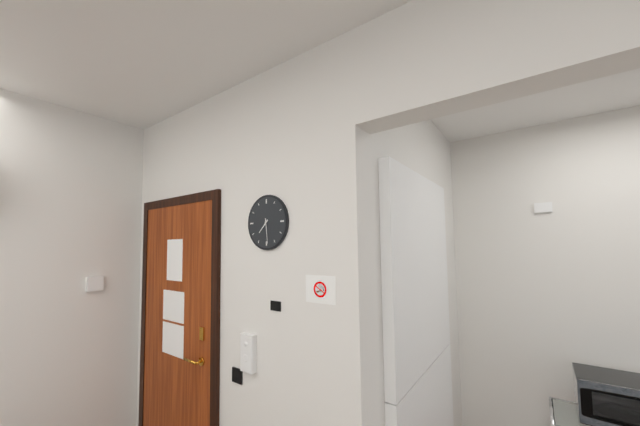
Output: **7:29**
